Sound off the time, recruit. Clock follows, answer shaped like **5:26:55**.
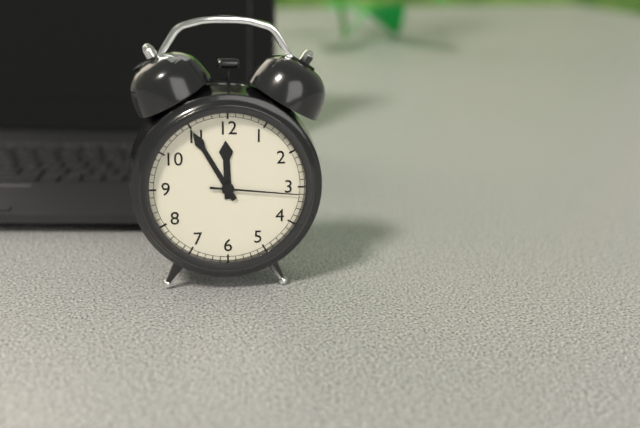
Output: **11:55:16**
